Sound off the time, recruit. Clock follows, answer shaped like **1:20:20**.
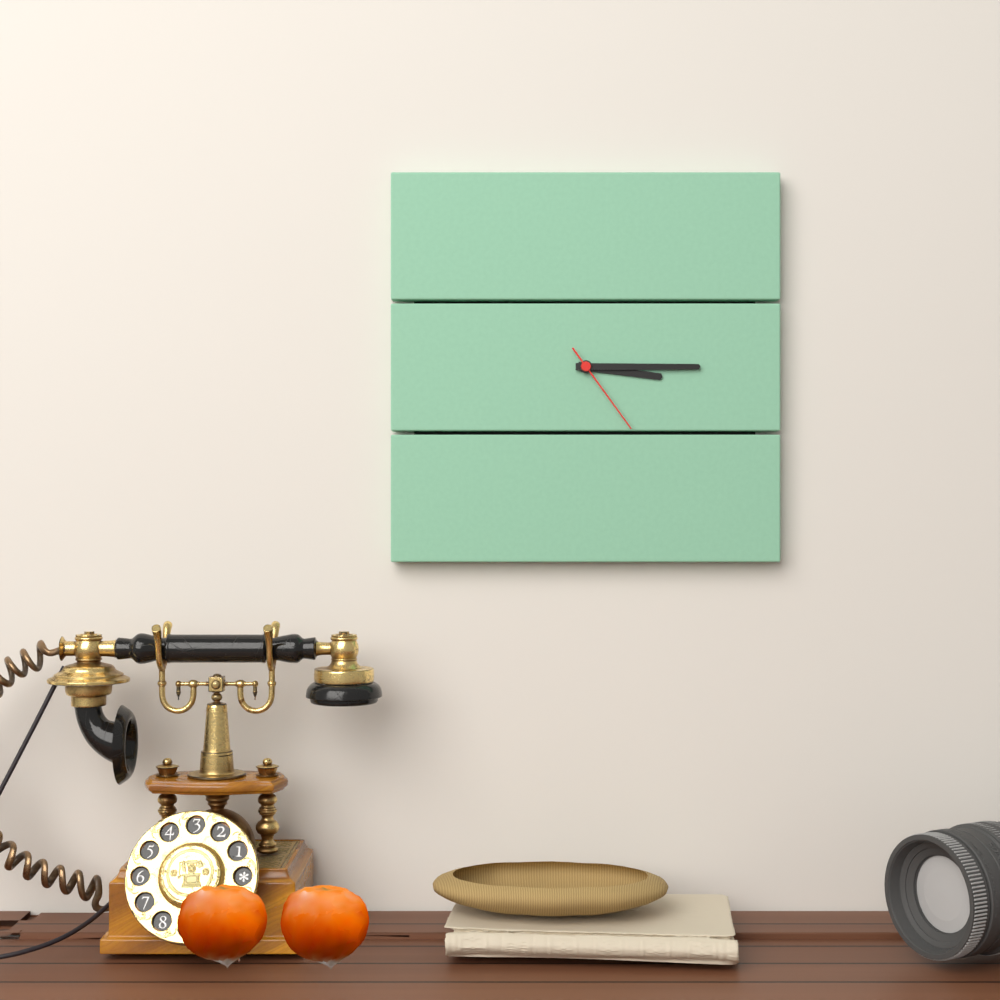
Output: **3:15:24**
